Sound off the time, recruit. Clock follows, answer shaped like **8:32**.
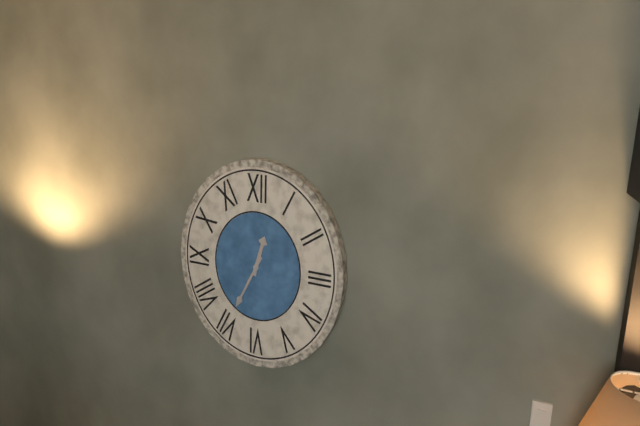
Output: **12:35**
